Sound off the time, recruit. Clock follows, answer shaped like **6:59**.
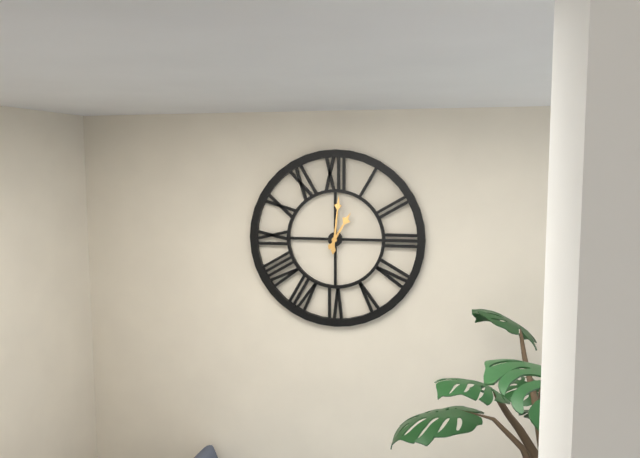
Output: **1:01**
